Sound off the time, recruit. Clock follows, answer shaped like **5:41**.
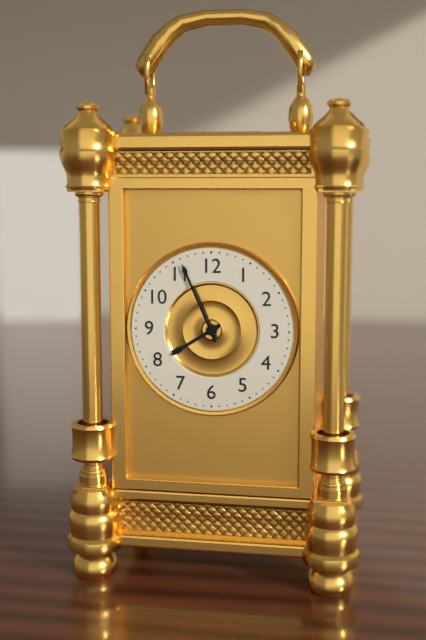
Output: **7:56**
